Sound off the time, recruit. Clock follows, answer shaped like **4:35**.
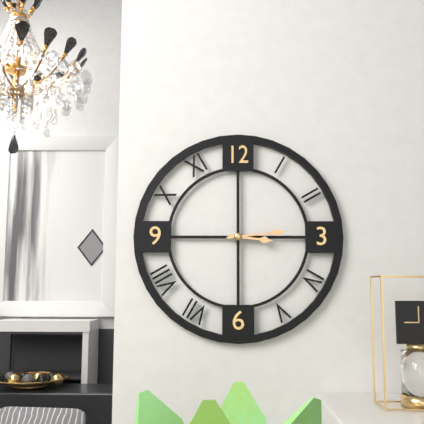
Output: **3:14**
